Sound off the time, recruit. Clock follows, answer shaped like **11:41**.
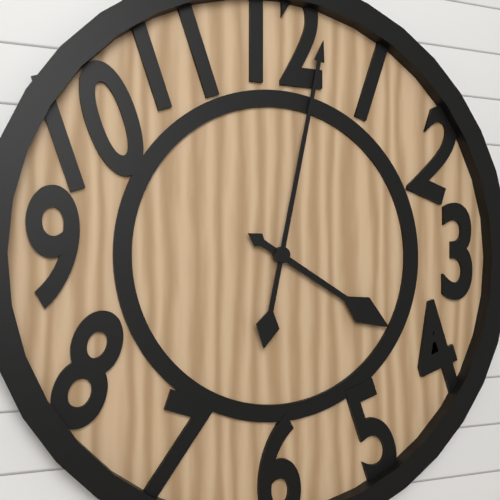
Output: **4:02**
